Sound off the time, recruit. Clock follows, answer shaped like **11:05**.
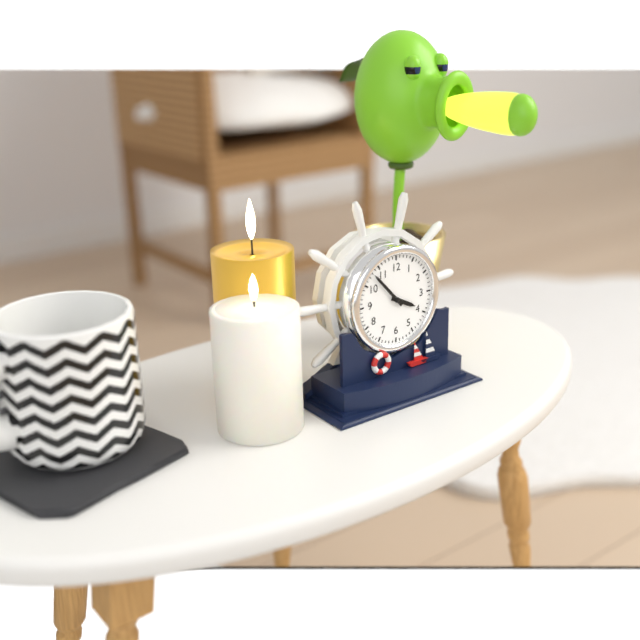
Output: **3:53**
